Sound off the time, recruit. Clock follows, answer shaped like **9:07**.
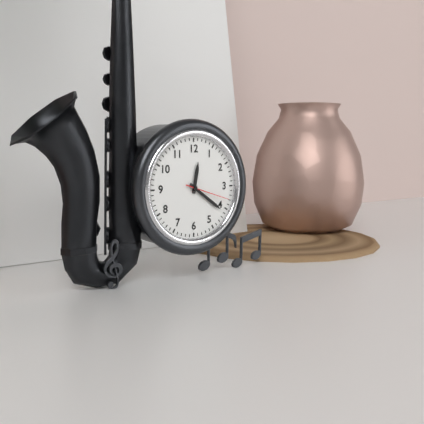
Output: **12:21**
